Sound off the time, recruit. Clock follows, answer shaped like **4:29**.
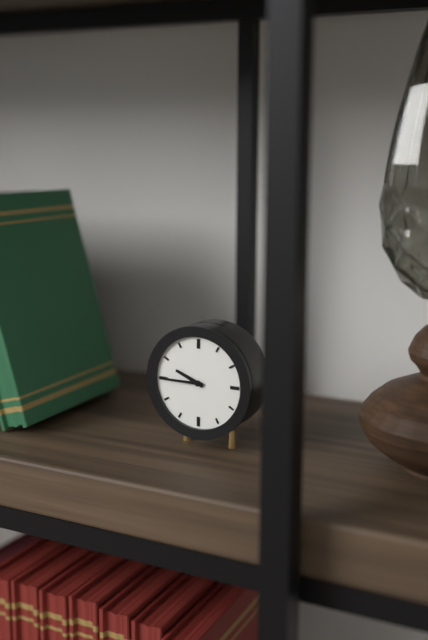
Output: **9:45**
